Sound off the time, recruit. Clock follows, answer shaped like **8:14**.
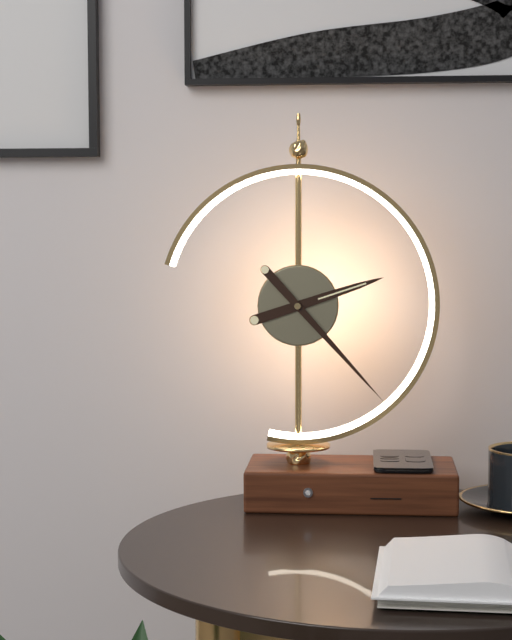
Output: **2:23**
